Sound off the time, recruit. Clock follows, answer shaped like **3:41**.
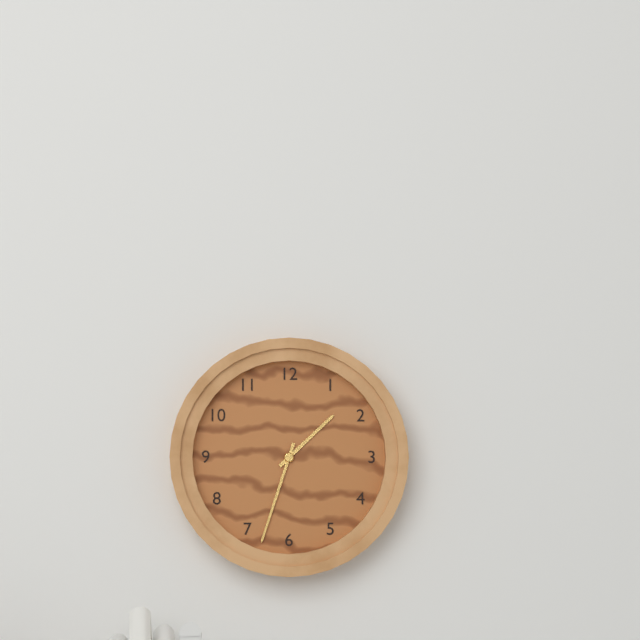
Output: **1:33**
